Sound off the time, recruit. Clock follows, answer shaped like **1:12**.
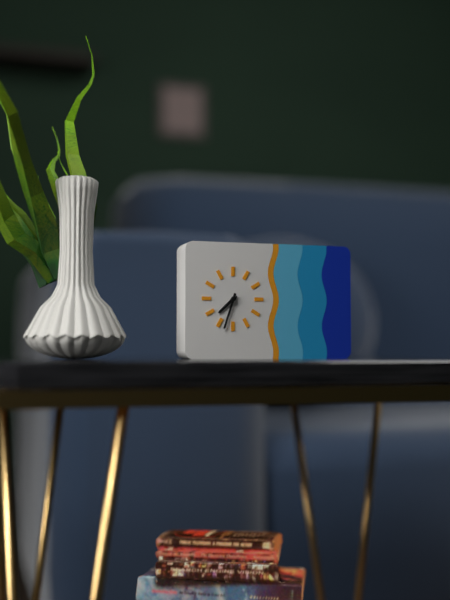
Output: **7:33**
